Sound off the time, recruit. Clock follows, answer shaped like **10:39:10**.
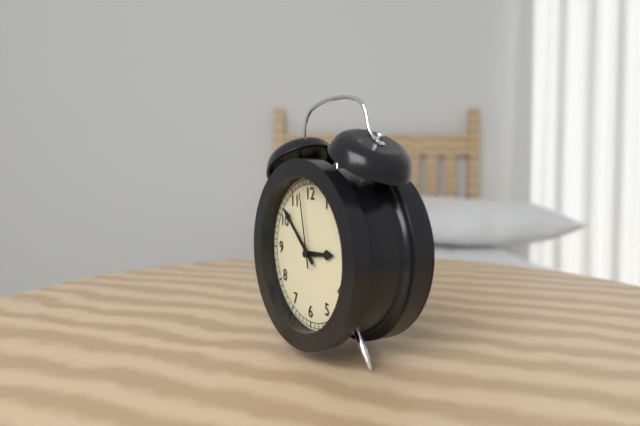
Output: **2:52:58**
